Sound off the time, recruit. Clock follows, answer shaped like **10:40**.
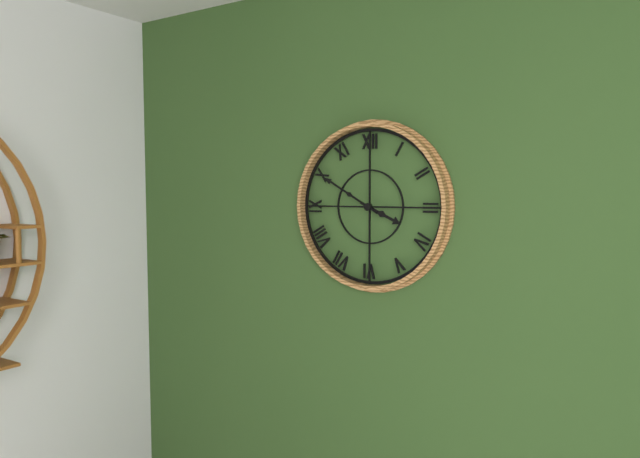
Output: **3:50**
